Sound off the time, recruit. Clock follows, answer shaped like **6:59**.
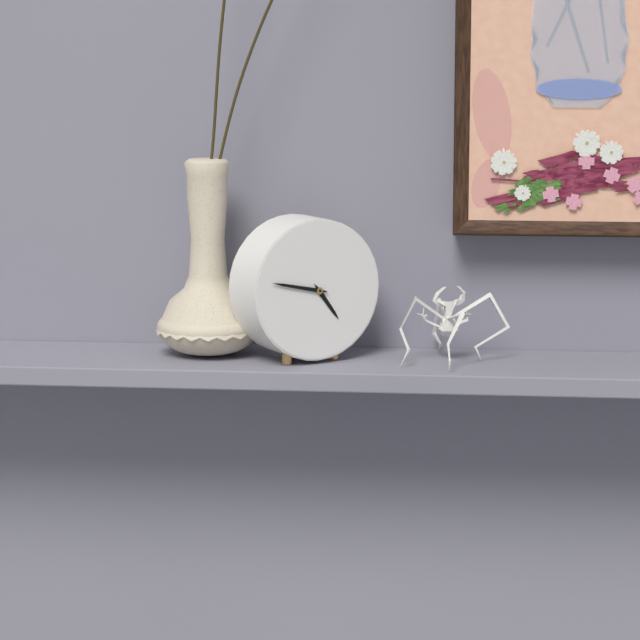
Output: **4:47**
